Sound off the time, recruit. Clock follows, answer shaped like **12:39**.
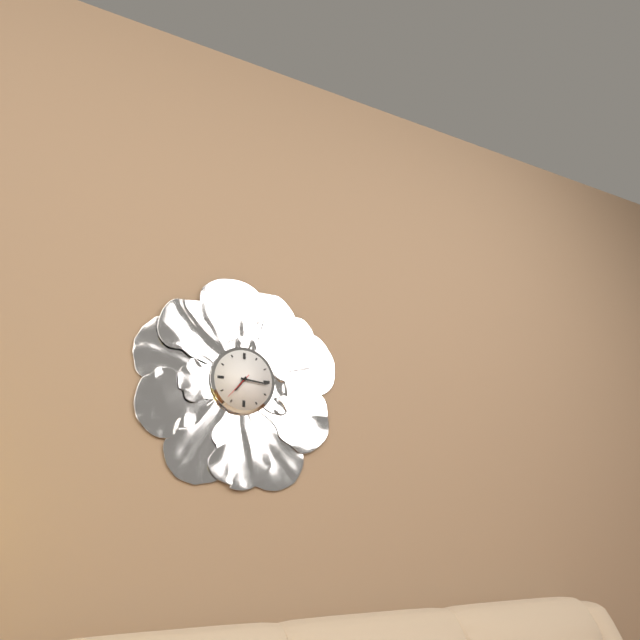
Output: **7:16**
